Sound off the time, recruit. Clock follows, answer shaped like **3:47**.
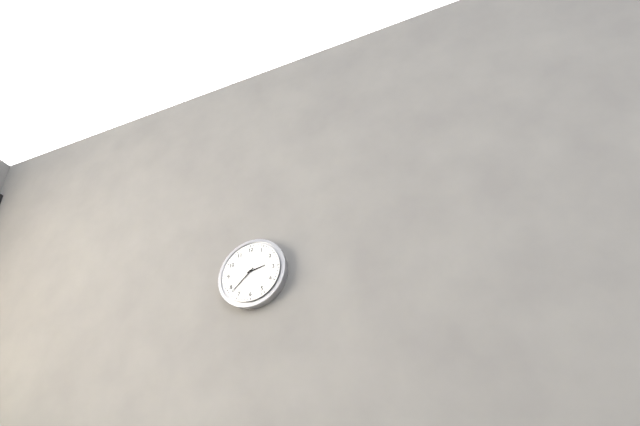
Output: **2:38**
